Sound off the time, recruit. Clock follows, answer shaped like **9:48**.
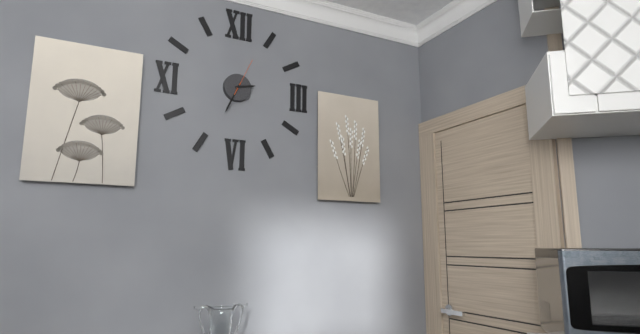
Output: **2:34**
